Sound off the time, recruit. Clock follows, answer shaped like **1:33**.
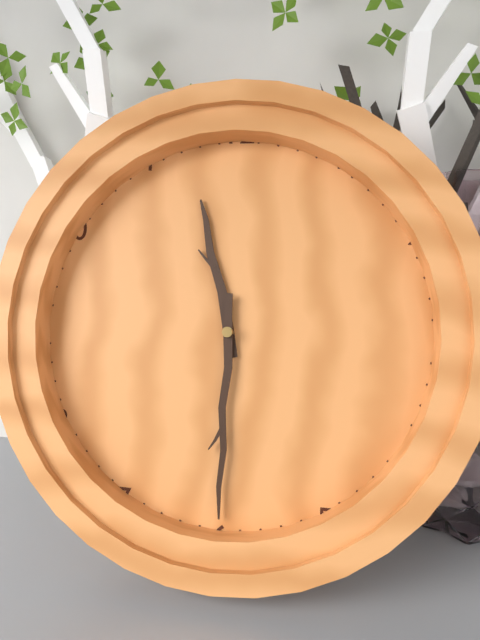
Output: **11:30**
